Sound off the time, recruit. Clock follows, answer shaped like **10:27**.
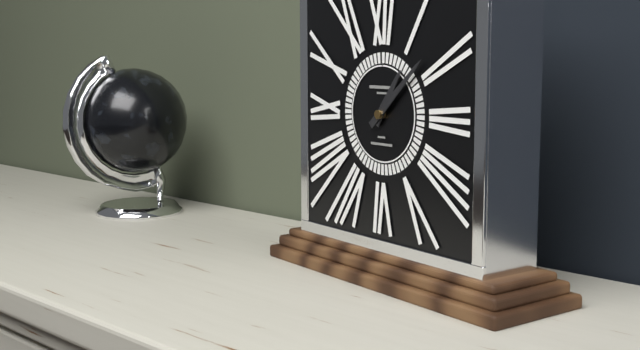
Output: **1:08**
